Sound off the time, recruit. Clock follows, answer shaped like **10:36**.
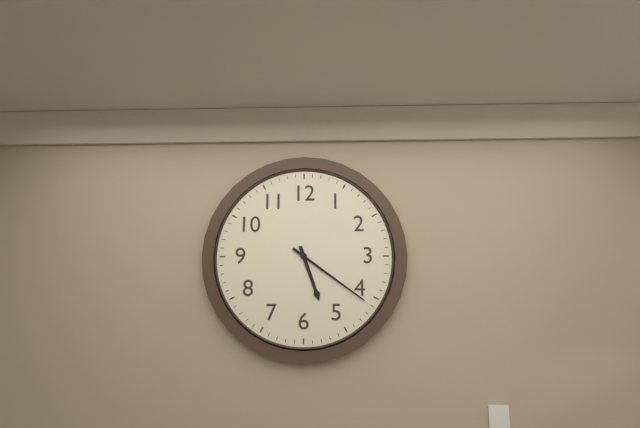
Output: **5:21**
